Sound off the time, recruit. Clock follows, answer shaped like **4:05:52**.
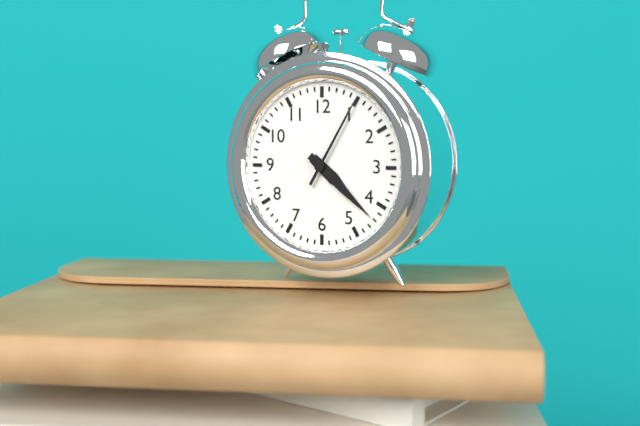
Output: **4:22:05**
